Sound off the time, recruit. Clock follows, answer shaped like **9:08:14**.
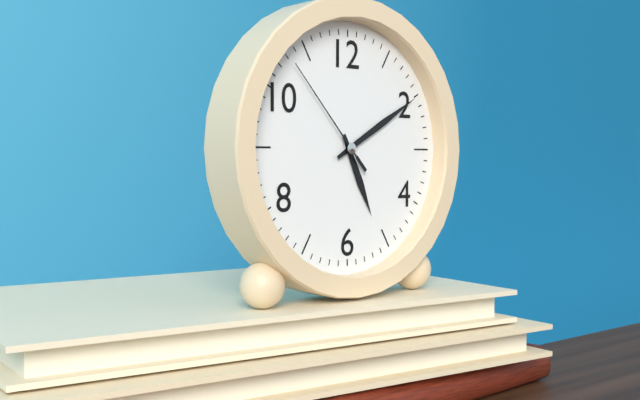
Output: **5:10:53**
